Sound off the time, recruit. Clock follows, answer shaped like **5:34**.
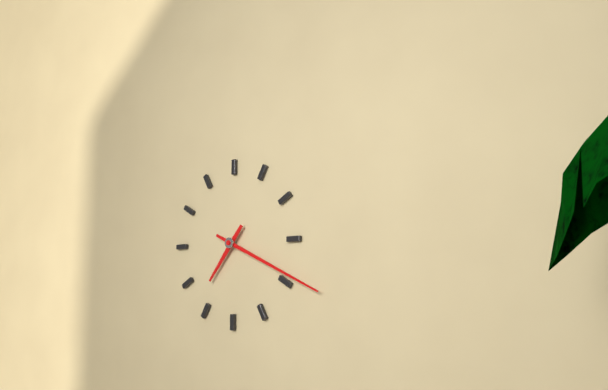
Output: **7:19**
